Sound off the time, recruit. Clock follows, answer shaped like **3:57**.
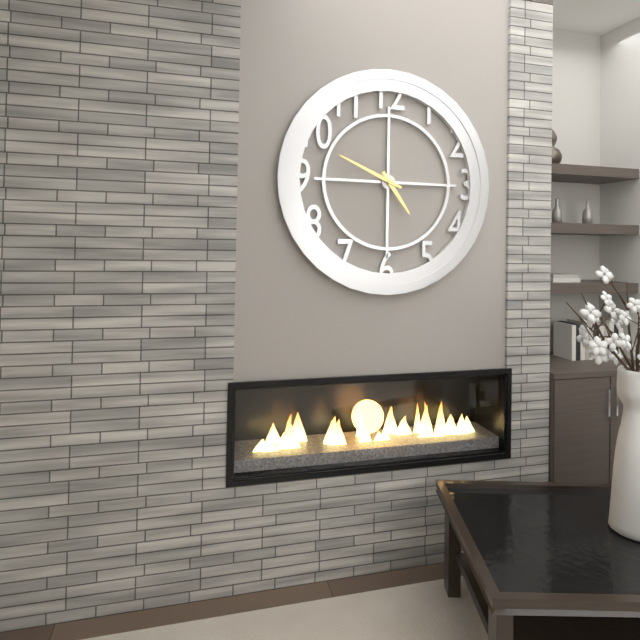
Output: **4:49**
